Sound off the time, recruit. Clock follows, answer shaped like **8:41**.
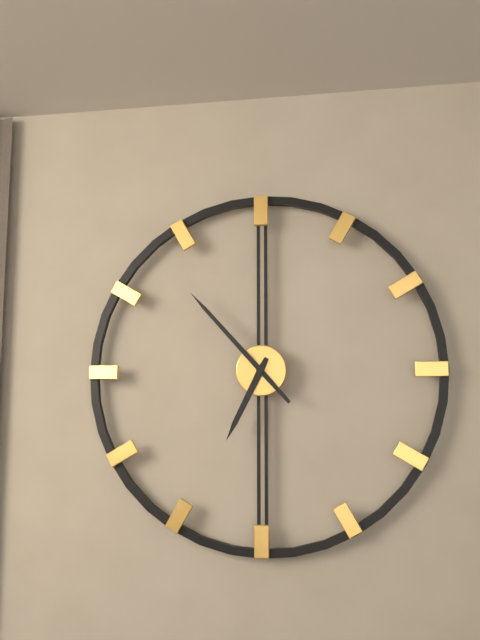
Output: **6:53**
